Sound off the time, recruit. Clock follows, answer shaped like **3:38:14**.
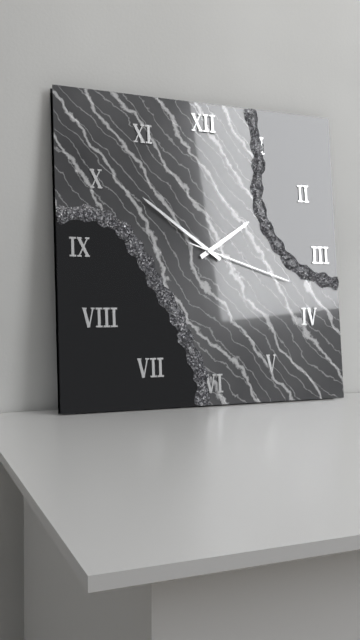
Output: **1:51:18**
